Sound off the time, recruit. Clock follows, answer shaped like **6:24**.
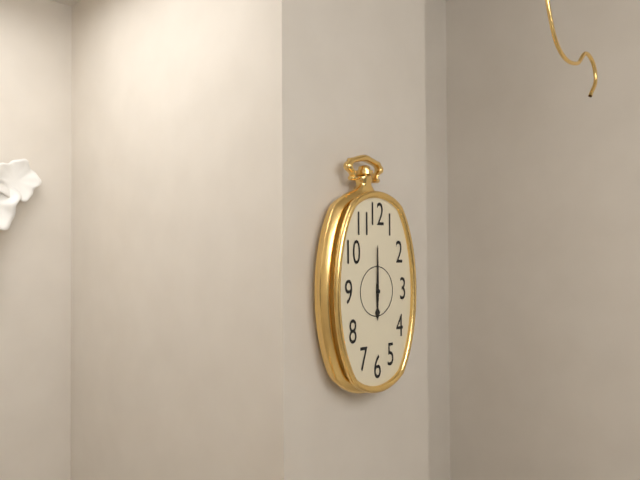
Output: **6:00**
